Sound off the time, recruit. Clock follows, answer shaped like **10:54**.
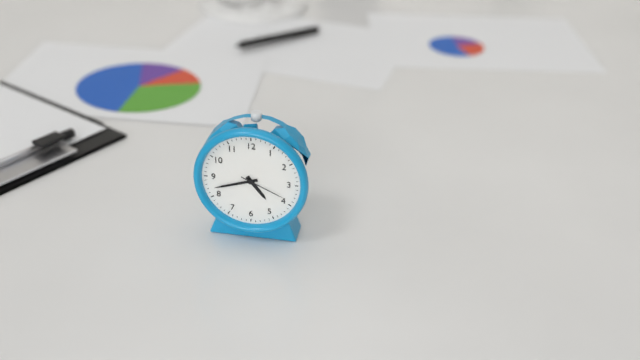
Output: **4:42**
